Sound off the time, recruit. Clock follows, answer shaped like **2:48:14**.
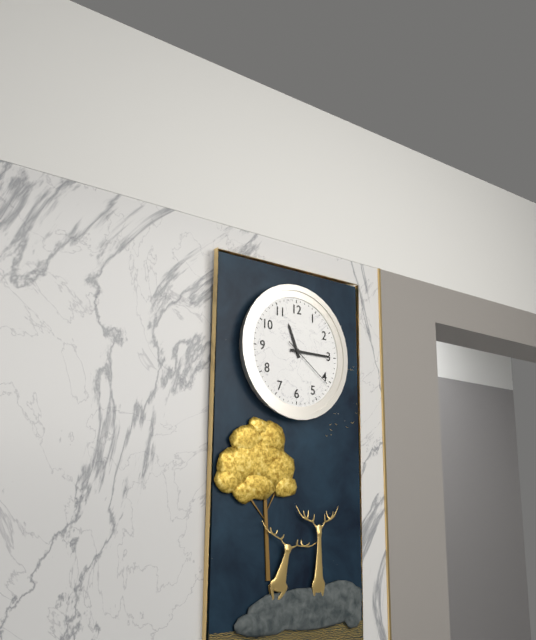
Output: **11:15:21**
